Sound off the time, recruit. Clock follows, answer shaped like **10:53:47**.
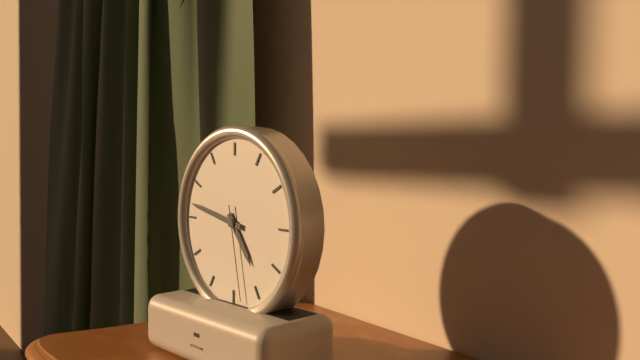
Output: **4:47:28**
